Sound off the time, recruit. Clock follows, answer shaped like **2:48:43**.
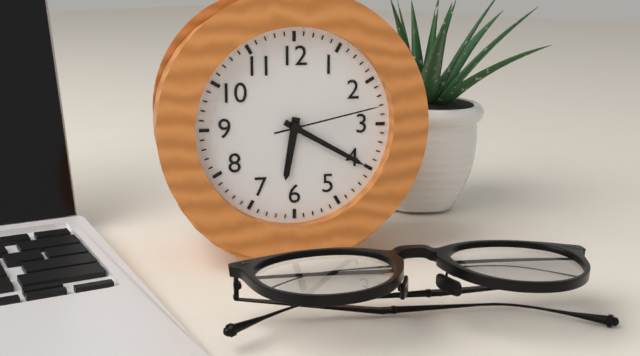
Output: **6:20:13**
